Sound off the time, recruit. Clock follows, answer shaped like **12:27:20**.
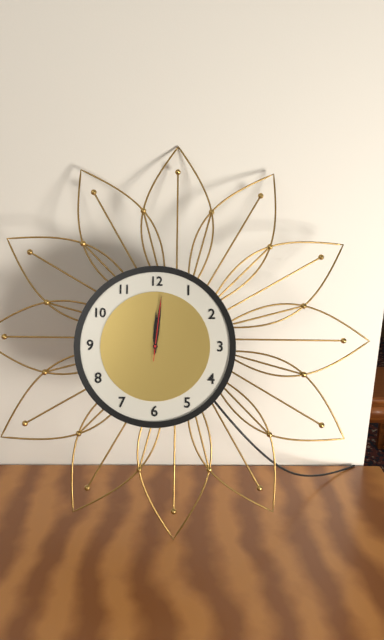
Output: **12:01:01**
